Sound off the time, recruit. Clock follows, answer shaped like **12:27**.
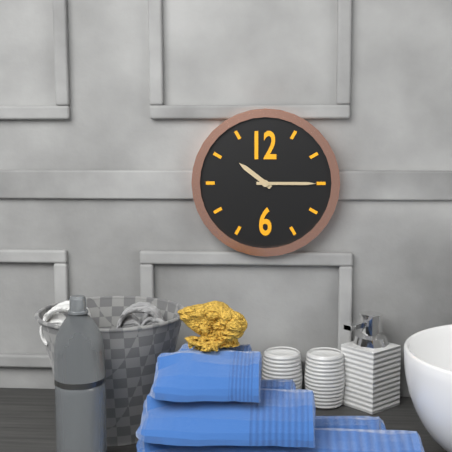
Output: **10:15**
